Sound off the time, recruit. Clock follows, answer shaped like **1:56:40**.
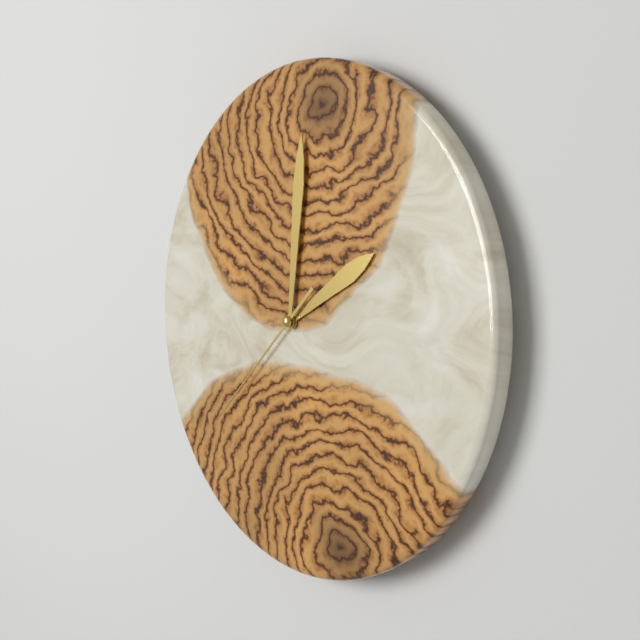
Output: **2:01:38**
